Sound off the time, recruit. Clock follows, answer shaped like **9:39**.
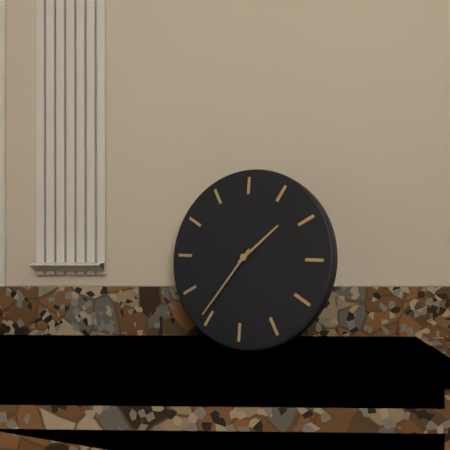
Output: **1:36**
